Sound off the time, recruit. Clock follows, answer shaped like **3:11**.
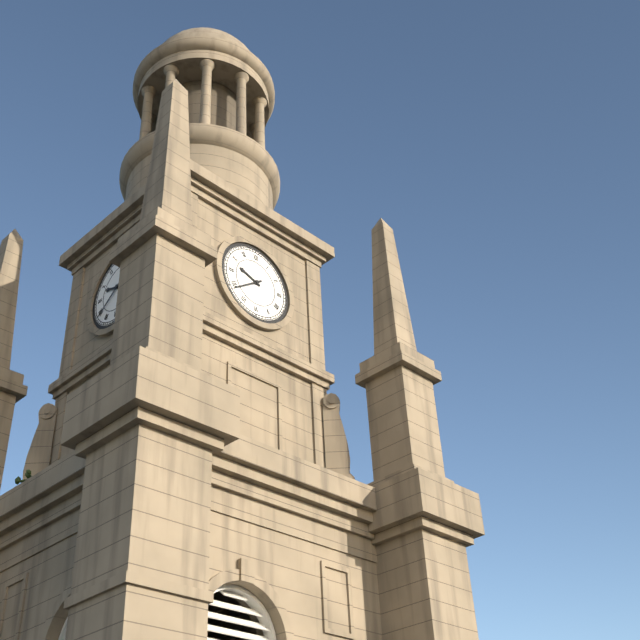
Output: **9:39**
